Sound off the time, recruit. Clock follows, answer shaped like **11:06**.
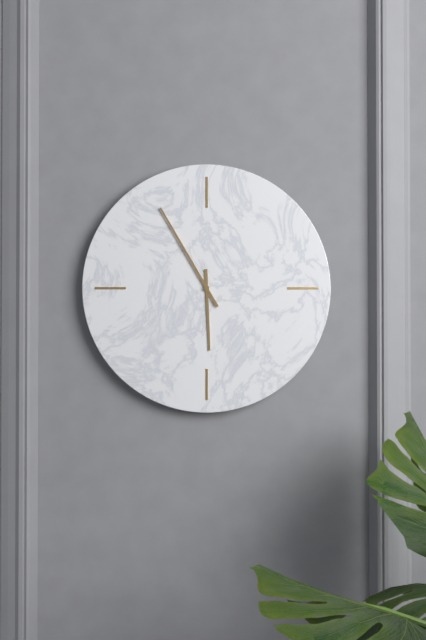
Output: **5:55**
